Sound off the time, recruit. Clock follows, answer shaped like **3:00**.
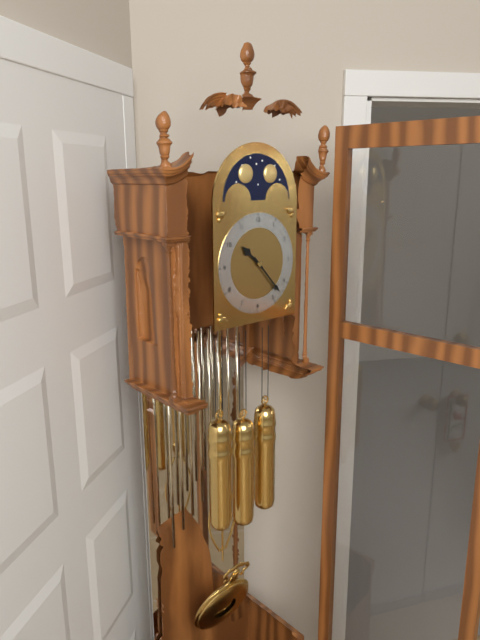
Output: **10:23**
